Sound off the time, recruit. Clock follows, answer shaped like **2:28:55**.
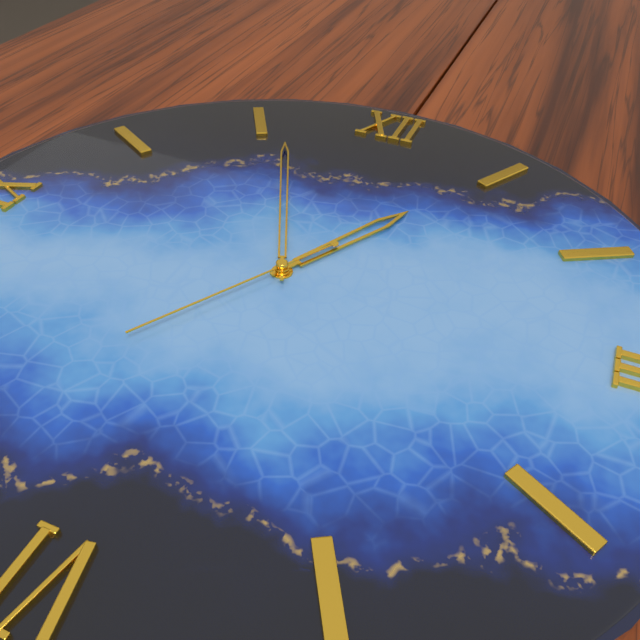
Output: **12:56:35**
